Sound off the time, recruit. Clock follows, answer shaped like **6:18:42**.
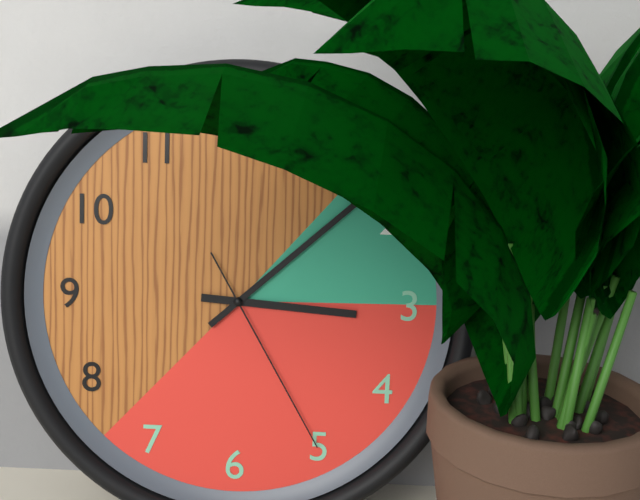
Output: **3:08:25**
